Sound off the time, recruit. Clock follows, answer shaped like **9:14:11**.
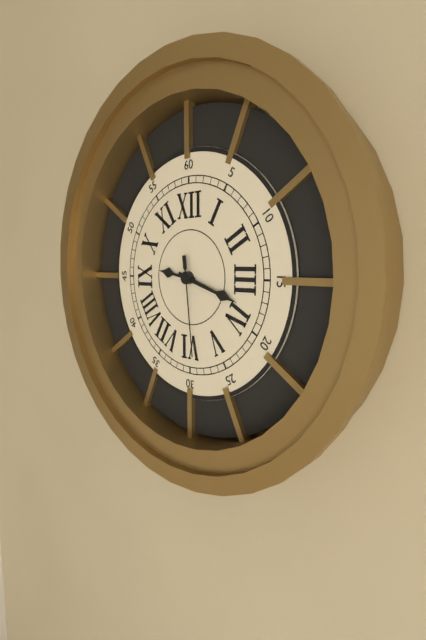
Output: **9:18:29**
